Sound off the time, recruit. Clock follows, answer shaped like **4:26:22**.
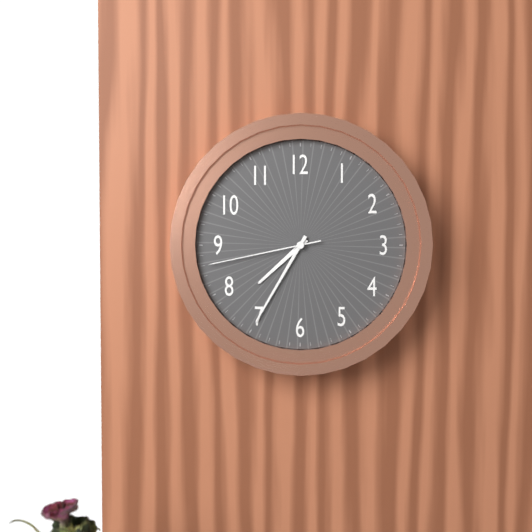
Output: **7:35:43**
